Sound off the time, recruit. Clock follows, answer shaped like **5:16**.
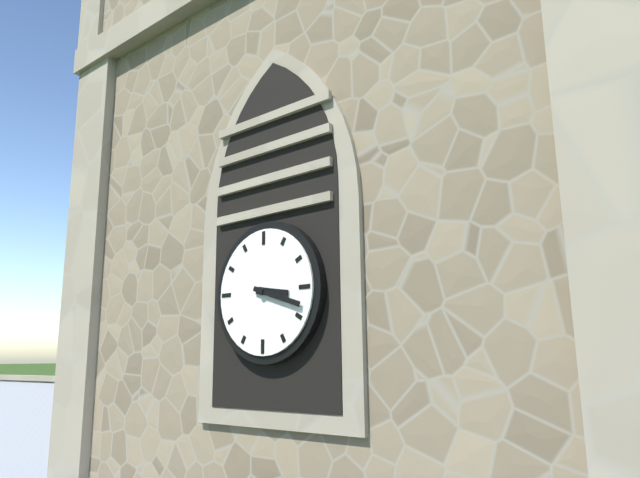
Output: **3:18**
